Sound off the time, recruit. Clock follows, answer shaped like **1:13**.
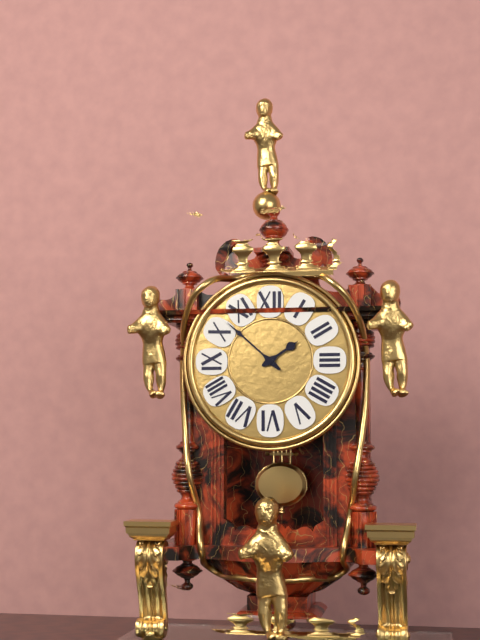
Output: **1:52**
